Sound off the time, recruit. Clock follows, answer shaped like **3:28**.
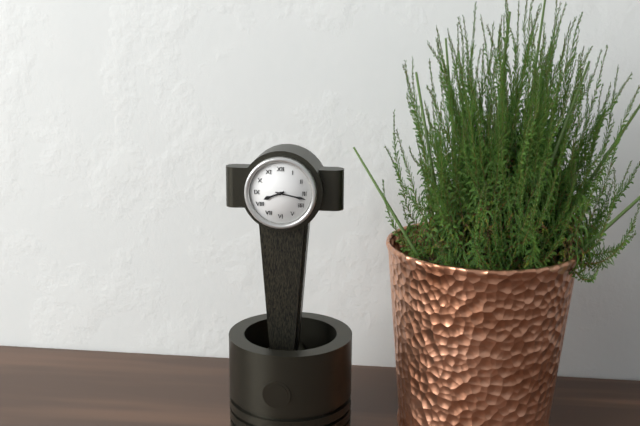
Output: **8:17**
